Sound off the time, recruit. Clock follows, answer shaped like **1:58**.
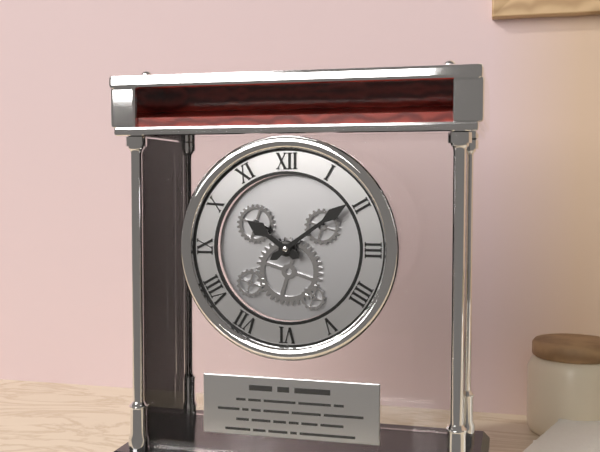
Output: **10:09**
